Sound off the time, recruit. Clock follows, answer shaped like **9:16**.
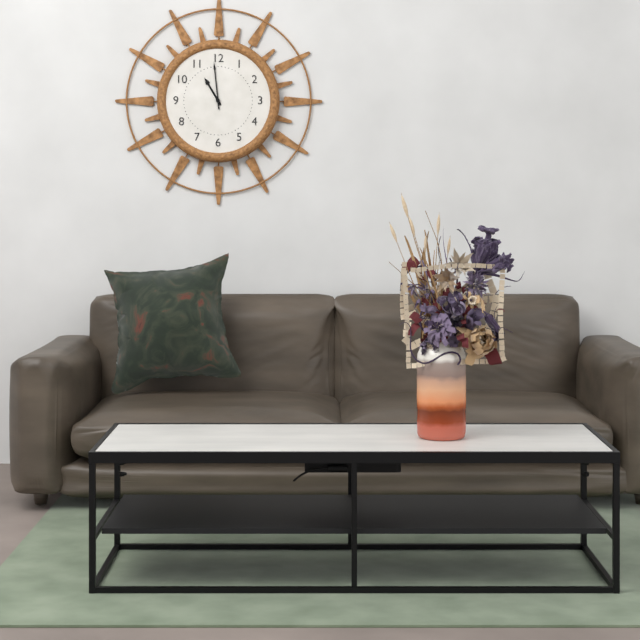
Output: **10:59**
